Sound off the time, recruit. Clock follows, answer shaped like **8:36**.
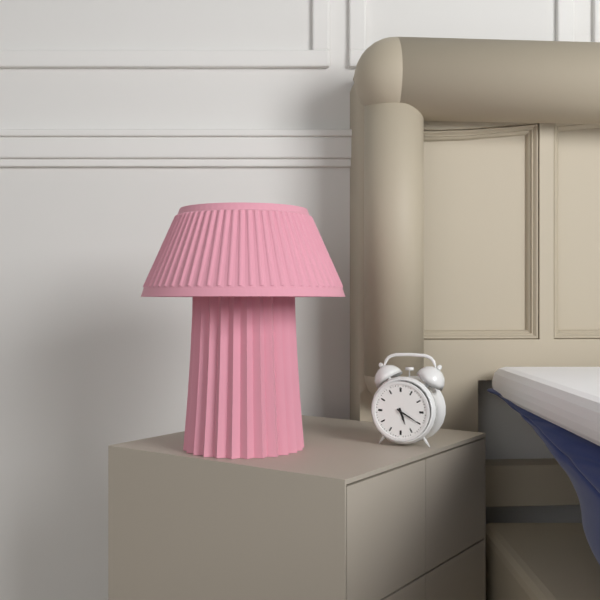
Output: **5:20**
